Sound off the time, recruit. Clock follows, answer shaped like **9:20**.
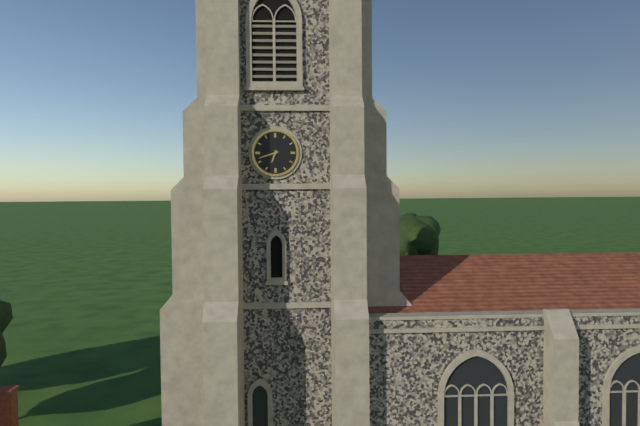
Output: **6:42**
